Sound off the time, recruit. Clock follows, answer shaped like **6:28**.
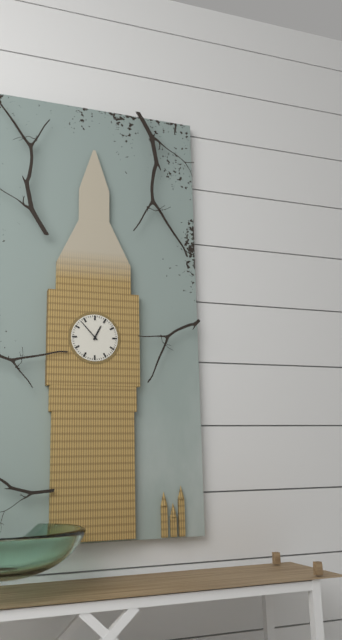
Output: **12:53**
